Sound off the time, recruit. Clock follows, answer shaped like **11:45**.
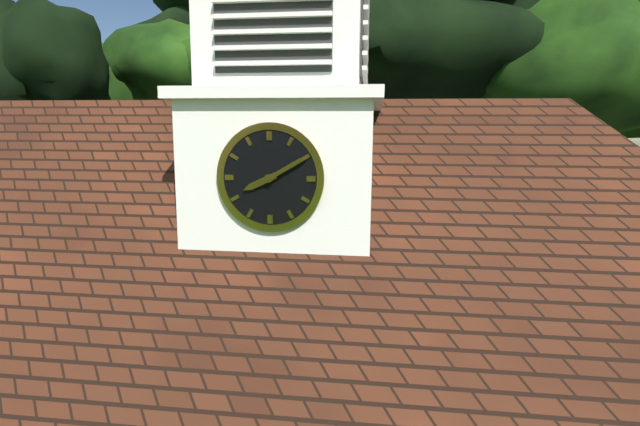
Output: **8:10**
